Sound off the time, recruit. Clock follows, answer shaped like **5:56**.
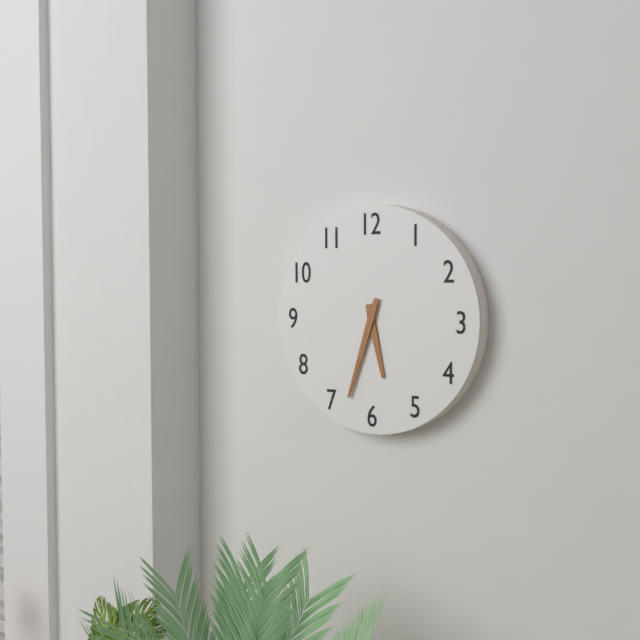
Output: **5:33**
